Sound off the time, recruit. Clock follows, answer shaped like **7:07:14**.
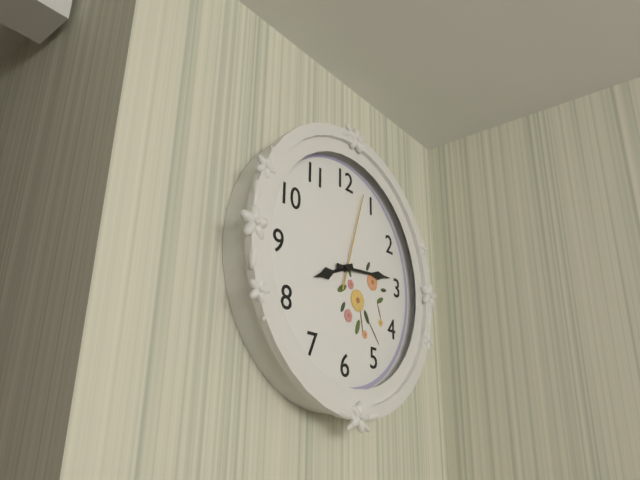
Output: **8:14:03**
